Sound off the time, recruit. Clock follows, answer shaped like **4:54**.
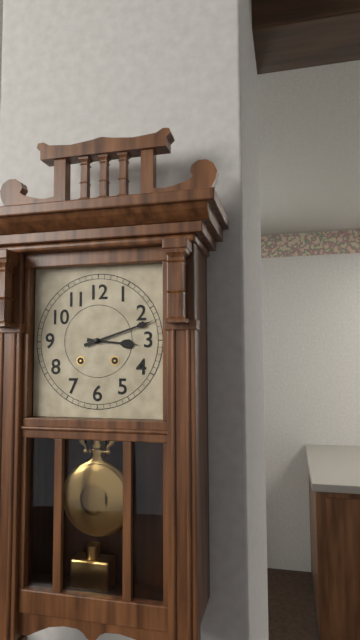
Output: **3:12**
